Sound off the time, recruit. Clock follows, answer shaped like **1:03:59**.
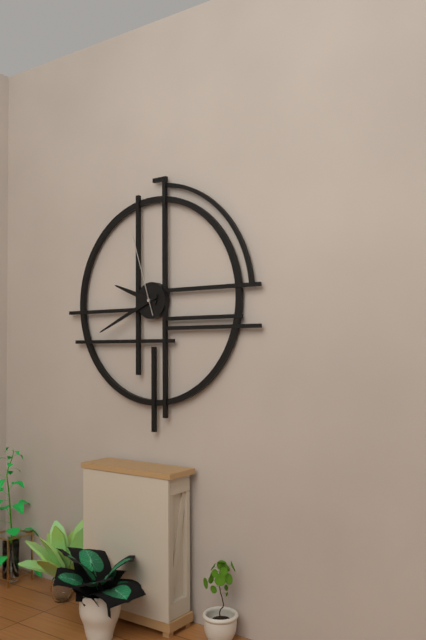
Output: **9:41:57**
